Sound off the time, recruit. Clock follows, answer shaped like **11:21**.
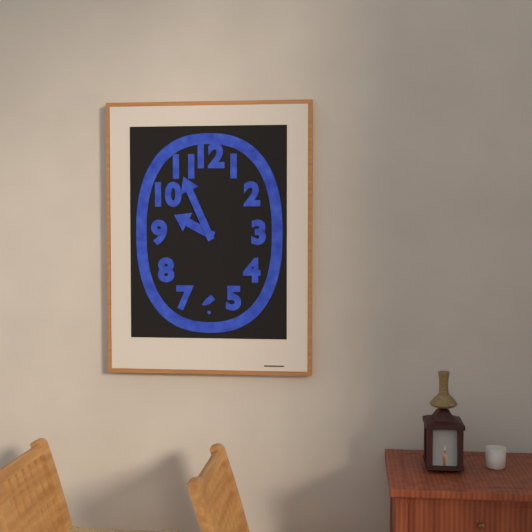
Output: **9:56**
